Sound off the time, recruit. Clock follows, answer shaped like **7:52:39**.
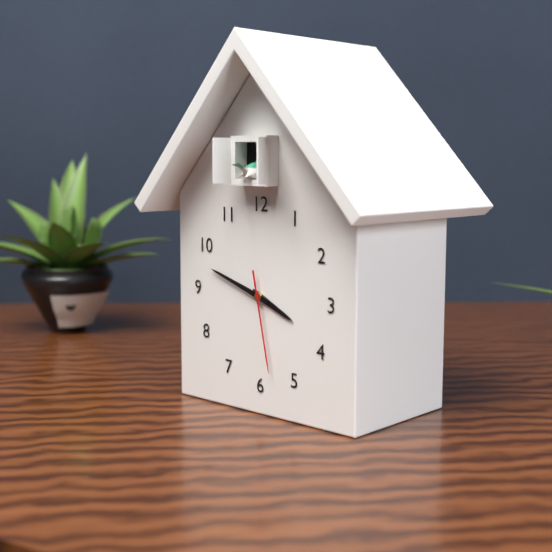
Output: **3:48:28**
